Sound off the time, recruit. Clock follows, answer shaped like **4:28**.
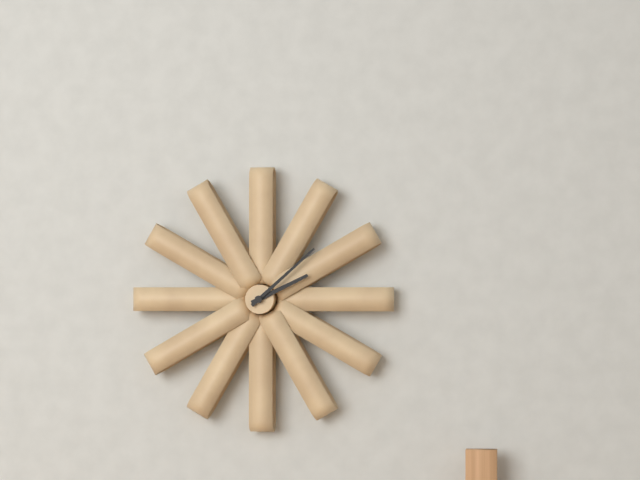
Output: **2:08**
